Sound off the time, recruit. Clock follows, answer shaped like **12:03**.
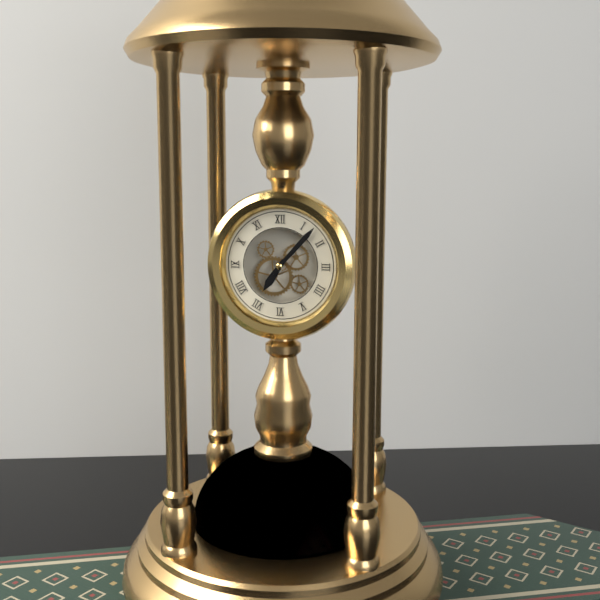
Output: **7:07**
